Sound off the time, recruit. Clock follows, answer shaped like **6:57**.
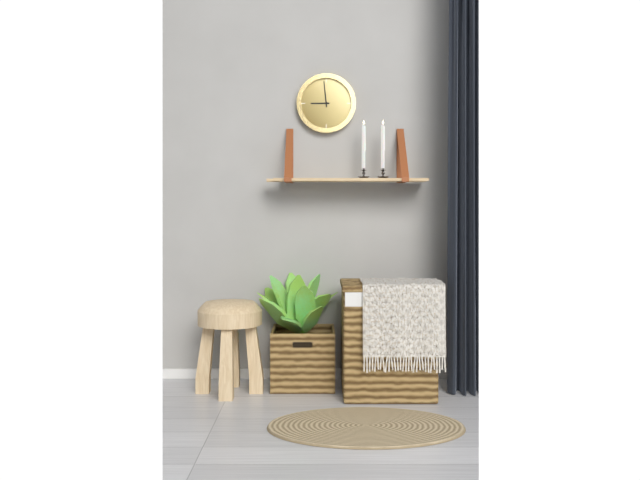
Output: **8:59**
